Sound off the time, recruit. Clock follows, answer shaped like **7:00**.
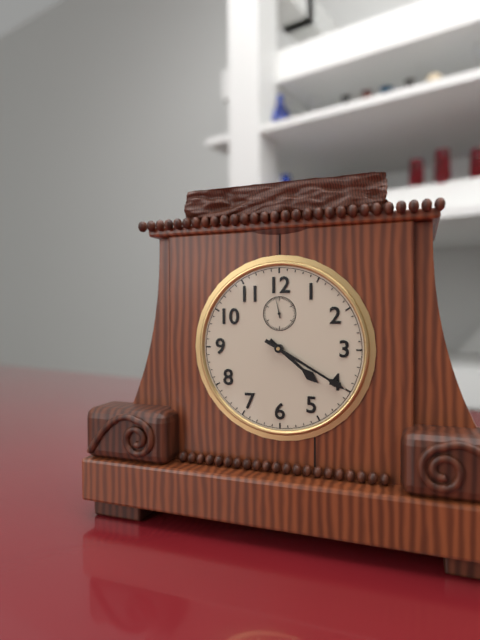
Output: **4:20**
